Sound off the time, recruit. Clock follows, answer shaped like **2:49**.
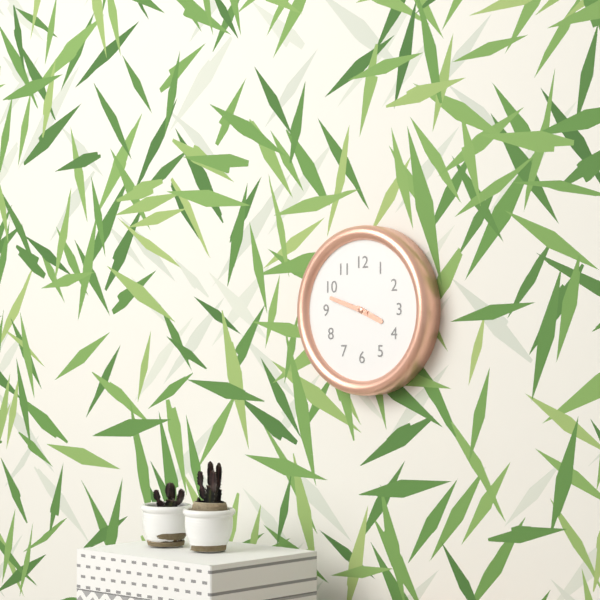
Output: **3:48**
